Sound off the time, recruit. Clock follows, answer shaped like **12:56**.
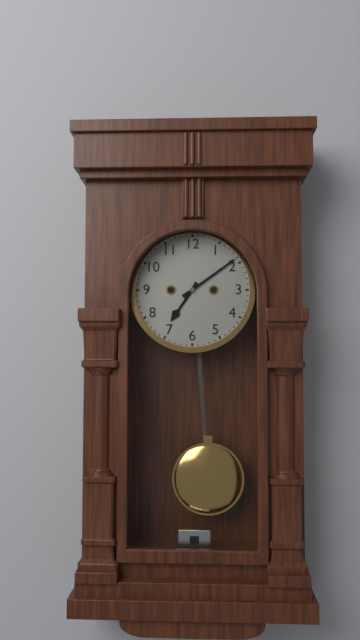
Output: **7:09**
